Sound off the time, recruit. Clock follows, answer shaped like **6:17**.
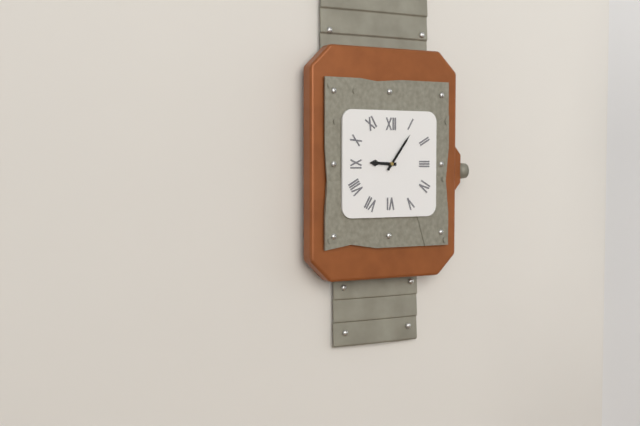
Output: **9:06**
